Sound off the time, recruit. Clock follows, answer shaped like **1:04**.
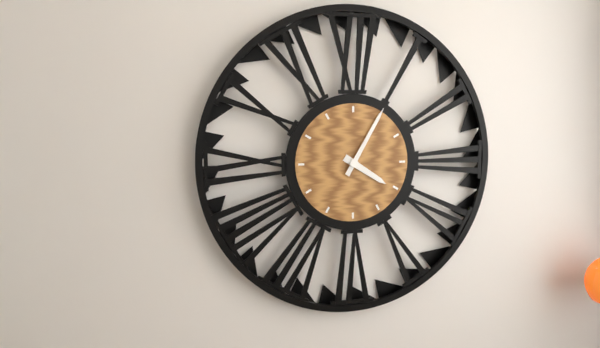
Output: **4:05**
